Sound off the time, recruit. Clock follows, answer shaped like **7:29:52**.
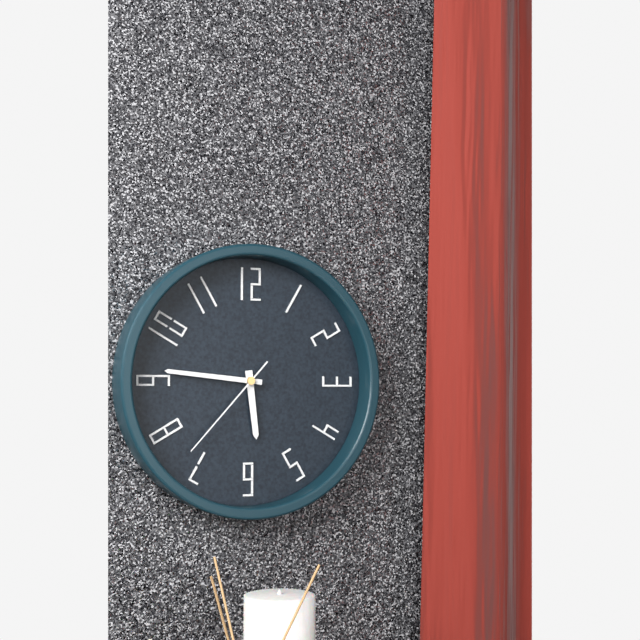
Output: **5:46:37**
